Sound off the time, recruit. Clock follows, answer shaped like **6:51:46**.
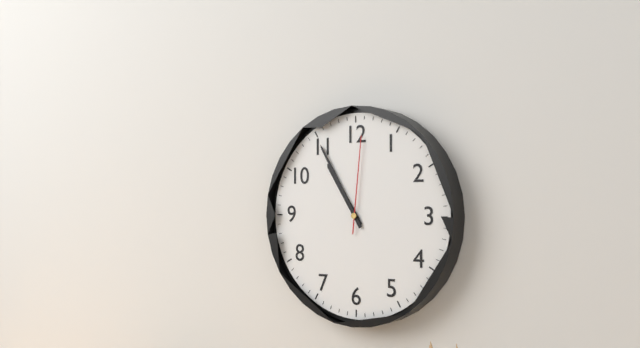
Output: **10:55:01**
